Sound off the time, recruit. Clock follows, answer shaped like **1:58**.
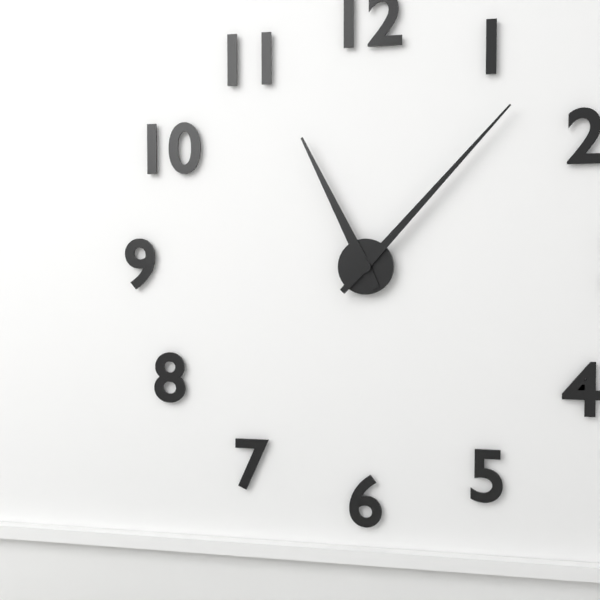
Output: **11:07**
